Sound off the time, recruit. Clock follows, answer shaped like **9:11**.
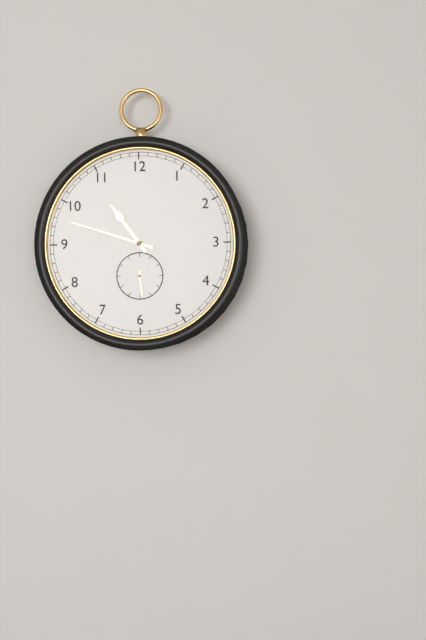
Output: **10:48**
